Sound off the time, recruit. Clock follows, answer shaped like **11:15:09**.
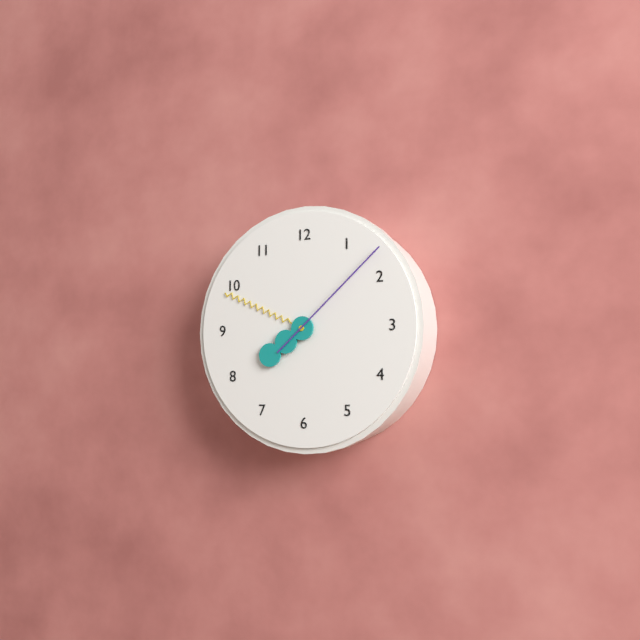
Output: **7:49:08**
